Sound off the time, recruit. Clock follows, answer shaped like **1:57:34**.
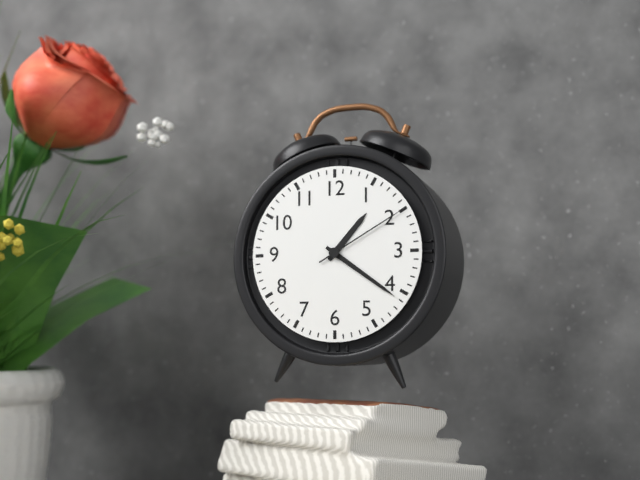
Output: **1:21:10**
